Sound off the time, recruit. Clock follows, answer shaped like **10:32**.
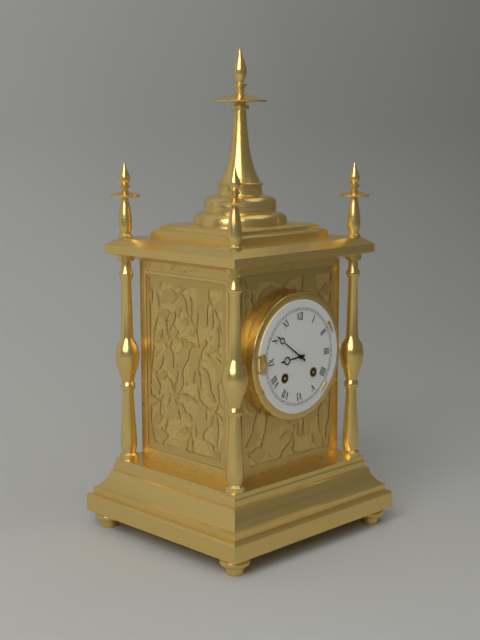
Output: **8:51**
